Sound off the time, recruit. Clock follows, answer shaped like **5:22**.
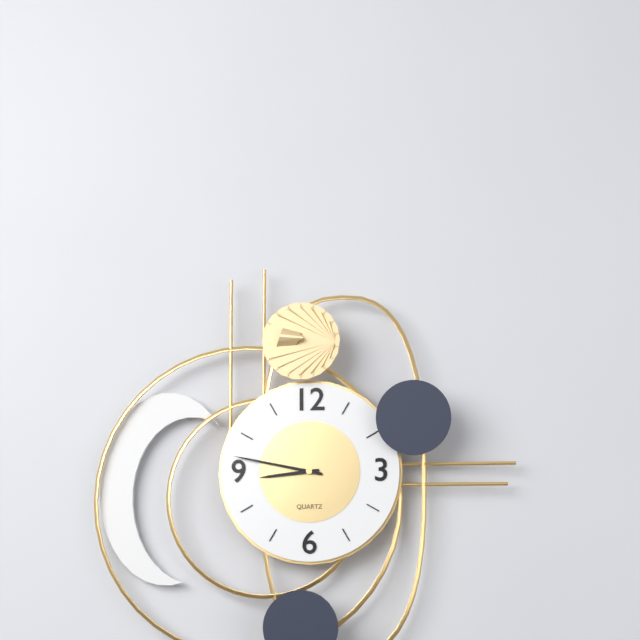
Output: **8:47**
